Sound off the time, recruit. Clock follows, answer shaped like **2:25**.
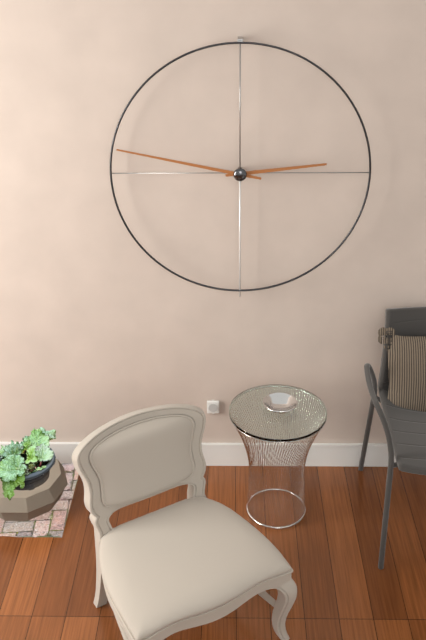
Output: **2:47**
